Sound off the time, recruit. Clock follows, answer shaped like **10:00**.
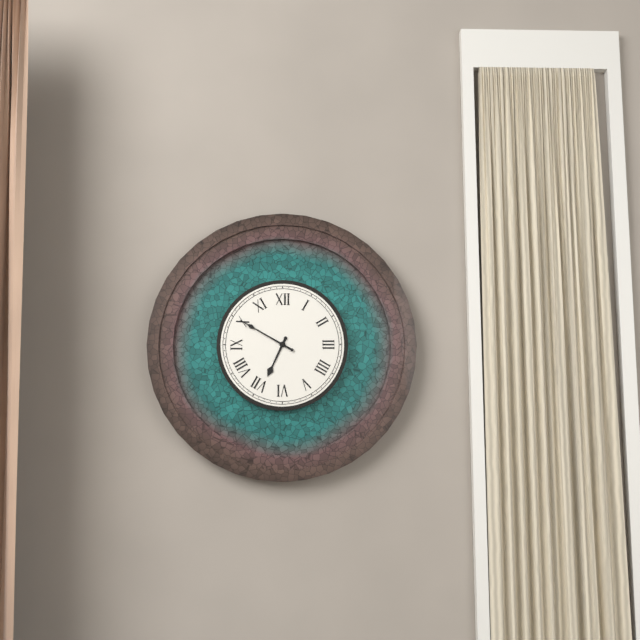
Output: **6:50**
